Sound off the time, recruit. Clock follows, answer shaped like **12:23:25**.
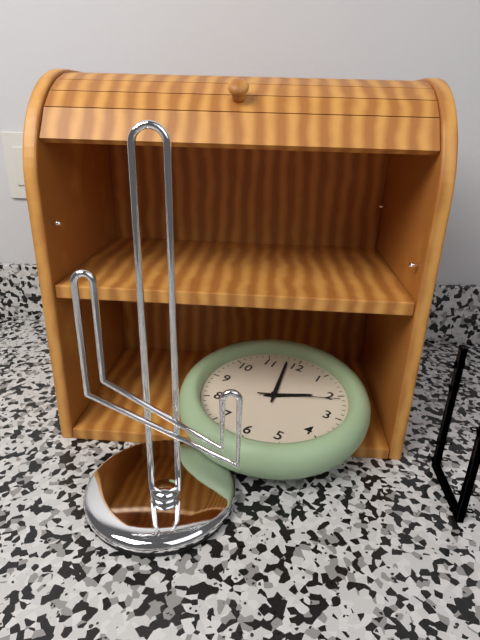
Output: **1:58:11**
